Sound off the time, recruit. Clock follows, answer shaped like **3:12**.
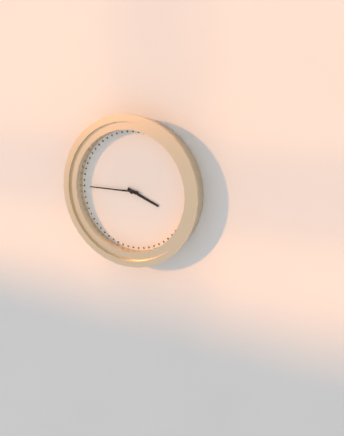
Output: **3:45**
